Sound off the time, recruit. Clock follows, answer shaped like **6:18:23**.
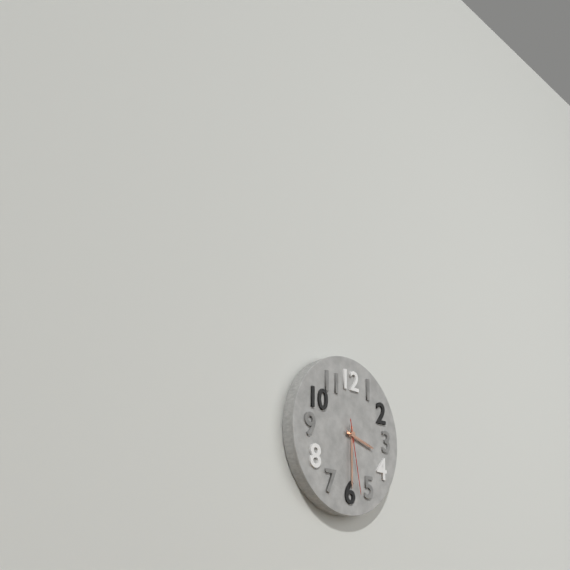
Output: **3:30:28**
